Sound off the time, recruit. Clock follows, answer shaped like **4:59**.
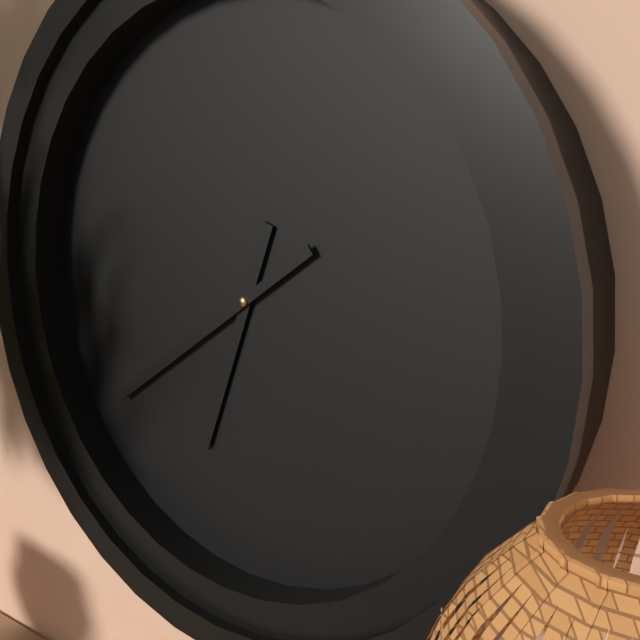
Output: **6:39**
